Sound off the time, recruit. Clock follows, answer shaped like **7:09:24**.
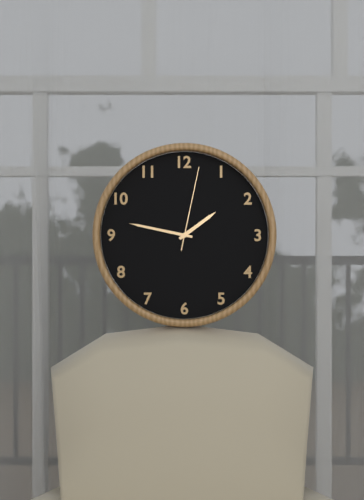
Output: **1:47:02**
